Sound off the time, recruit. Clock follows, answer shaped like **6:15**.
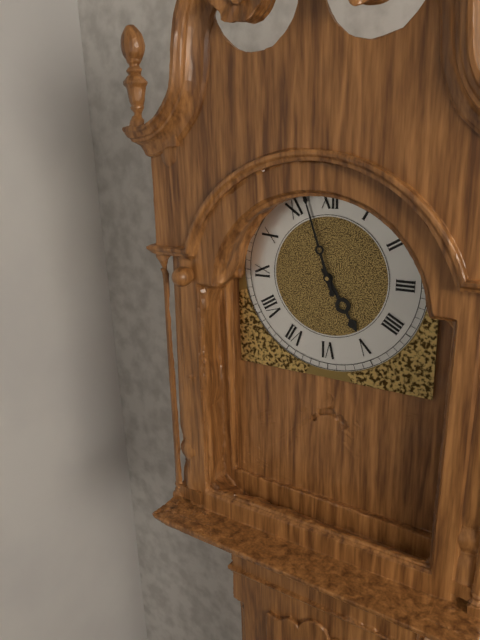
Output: **4:57**
